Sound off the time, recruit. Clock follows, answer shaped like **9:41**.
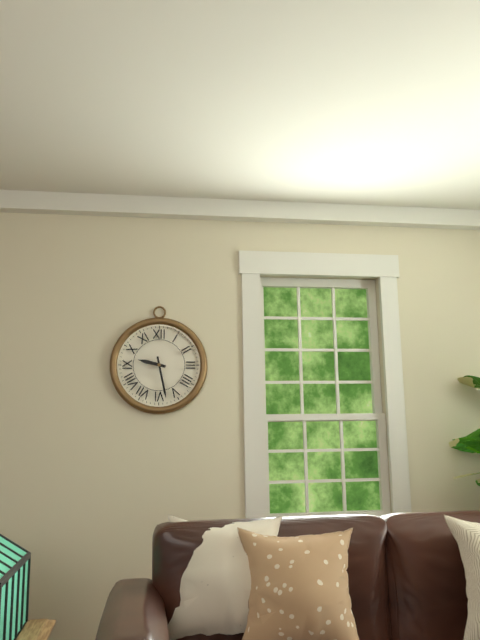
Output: **9:28**
